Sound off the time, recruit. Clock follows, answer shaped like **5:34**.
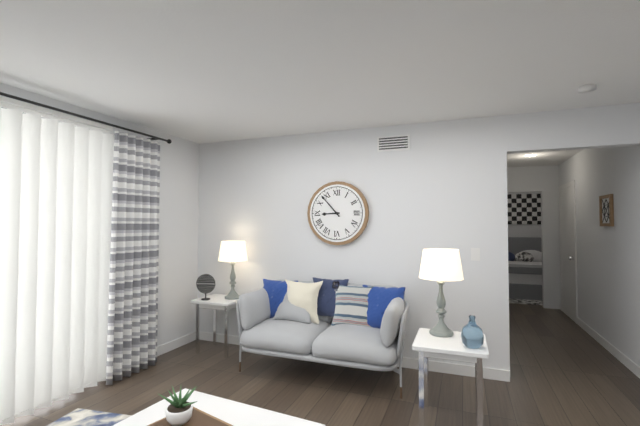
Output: **8:53**
